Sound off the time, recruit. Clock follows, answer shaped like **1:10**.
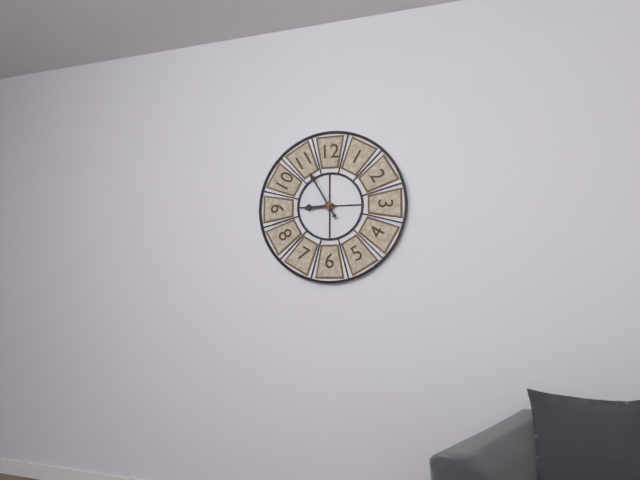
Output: **8:55**
